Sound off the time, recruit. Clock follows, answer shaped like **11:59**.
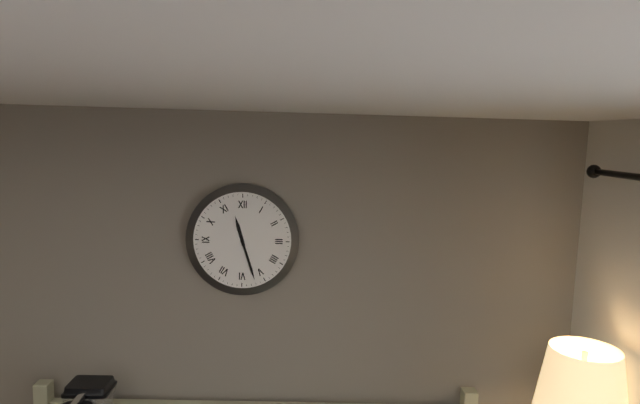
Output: **11:27**
